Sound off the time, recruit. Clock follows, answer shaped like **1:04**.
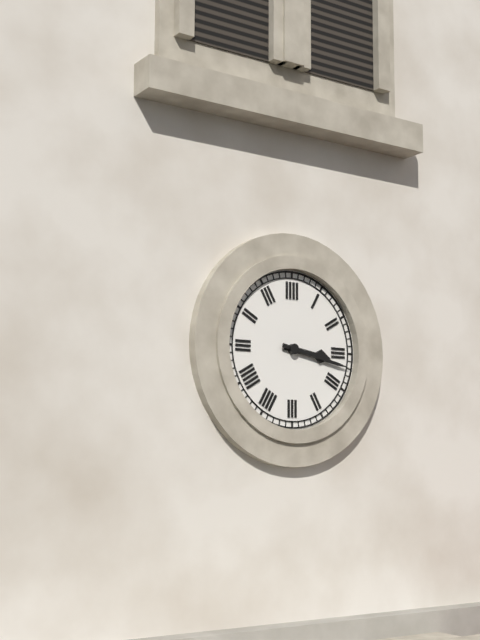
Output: **3:17**
